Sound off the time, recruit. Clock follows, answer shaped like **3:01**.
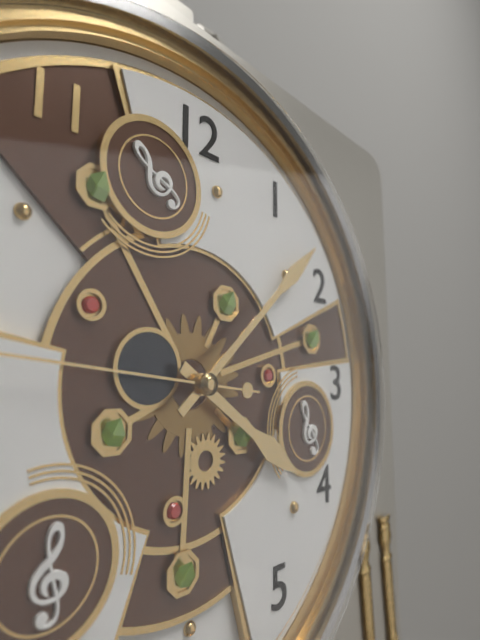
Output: **4:08**
